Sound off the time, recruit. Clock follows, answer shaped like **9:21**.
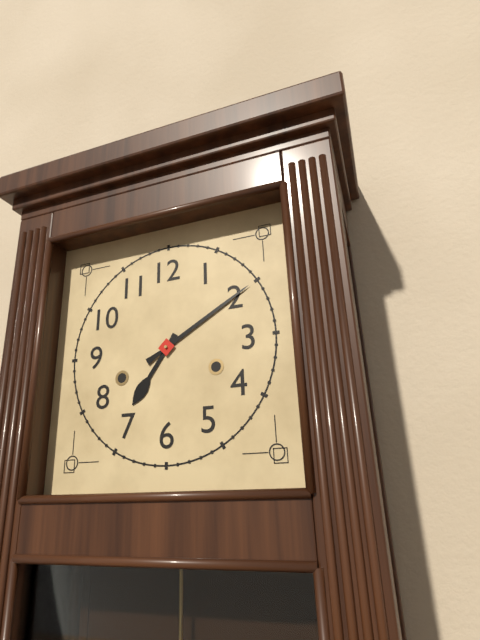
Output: **7:10**
